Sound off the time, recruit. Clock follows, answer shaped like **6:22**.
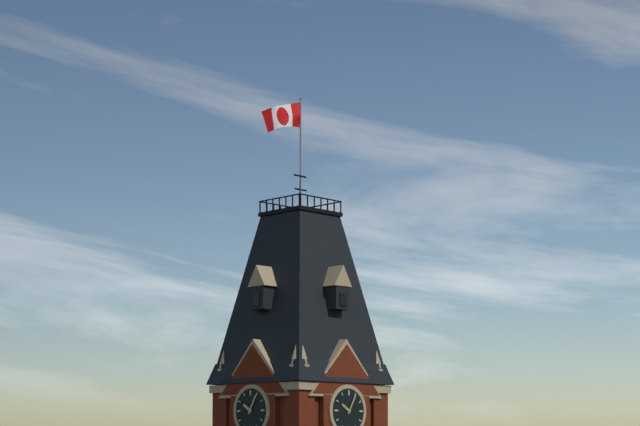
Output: **10:05**
